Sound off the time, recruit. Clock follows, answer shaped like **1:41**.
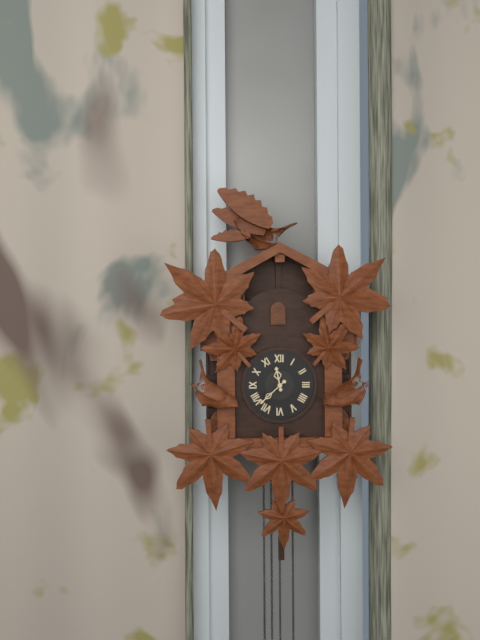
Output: **11:38**
